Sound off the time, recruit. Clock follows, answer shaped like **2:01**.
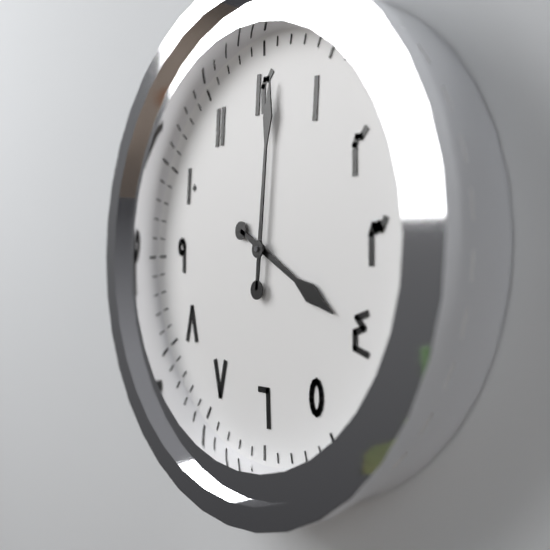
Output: **4:01**
